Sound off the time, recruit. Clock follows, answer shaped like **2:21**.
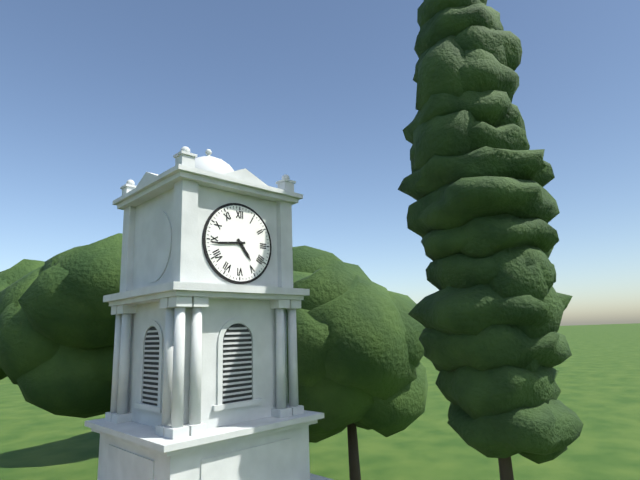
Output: **4:44**
